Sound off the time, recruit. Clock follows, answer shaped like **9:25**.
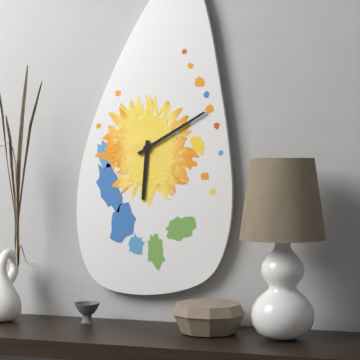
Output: **6:10**
